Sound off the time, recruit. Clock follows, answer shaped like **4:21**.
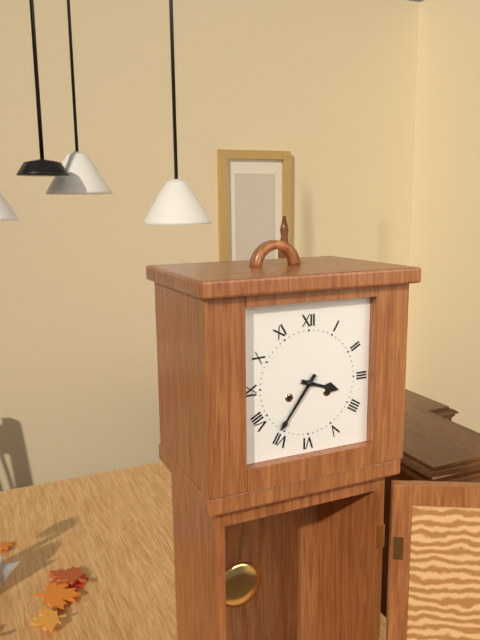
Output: **3:36**
